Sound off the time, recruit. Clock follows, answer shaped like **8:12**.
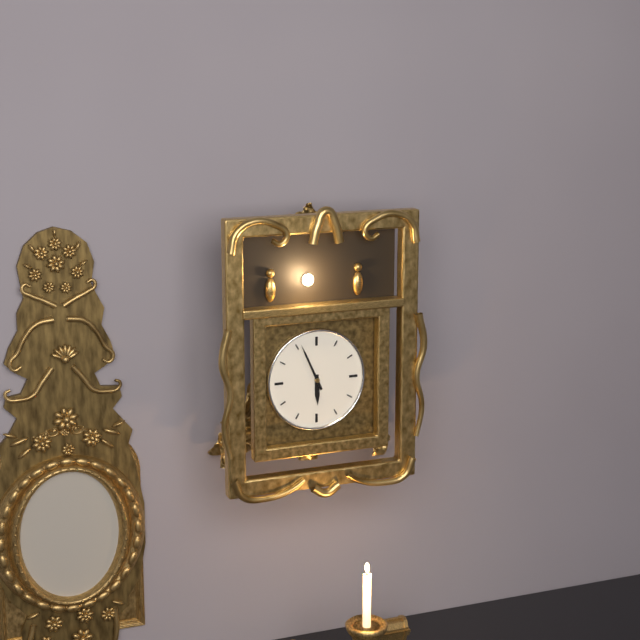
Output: **5:56**
